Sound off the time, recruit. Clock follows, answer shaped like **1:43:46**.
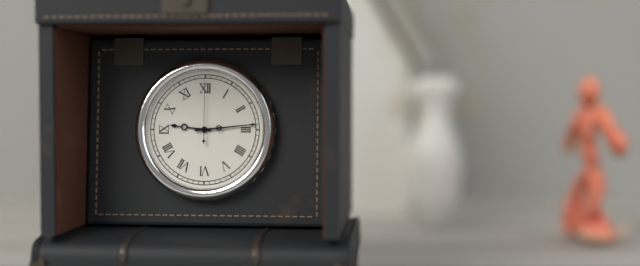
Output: **9:14:00**
